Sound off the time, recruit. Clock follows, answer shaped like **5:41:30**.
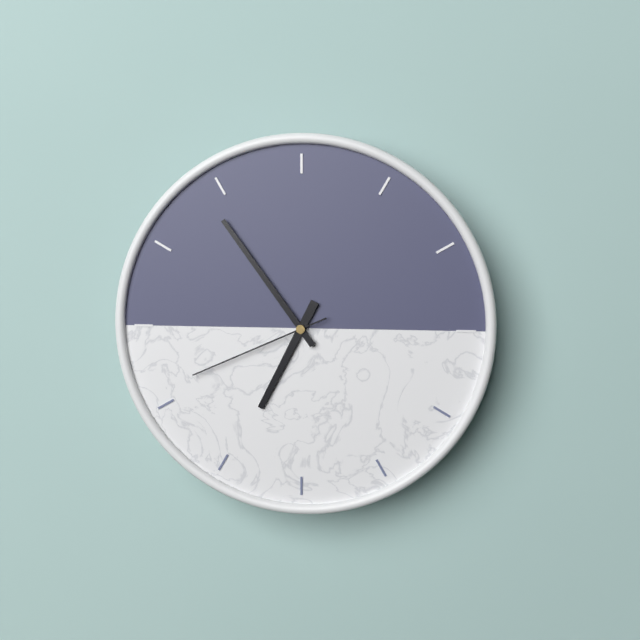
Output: **6:54:41**
